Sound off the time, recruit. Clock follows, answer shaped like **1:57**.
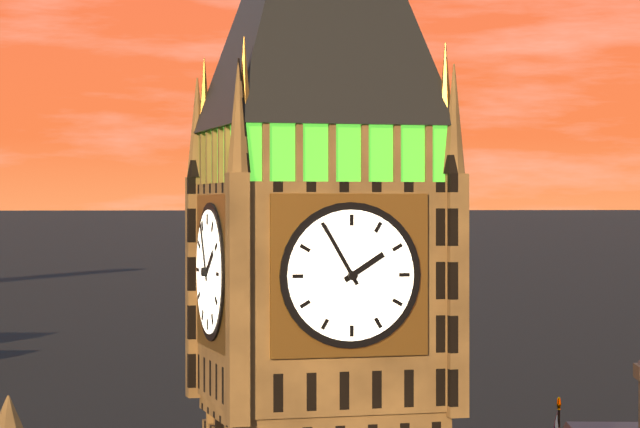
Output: **1:55**
